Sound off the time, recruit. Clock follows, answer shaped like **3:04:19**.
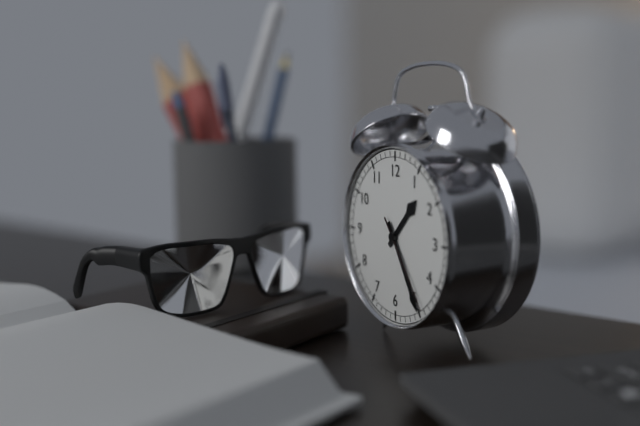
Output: **1:25:24**
